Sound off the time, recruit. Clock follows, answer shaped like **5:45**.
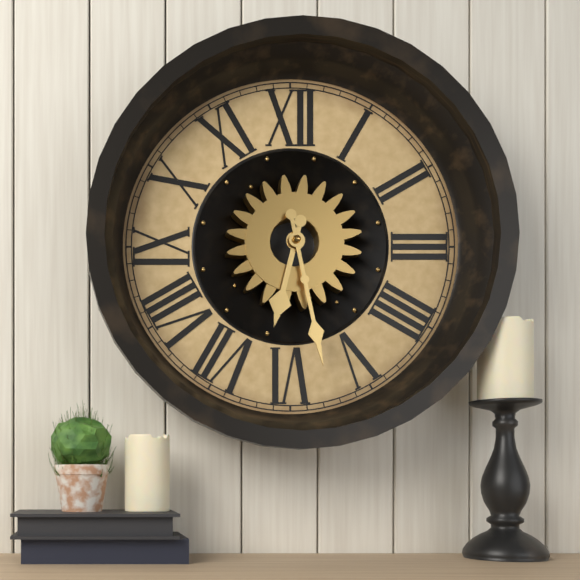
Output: **6:28**
